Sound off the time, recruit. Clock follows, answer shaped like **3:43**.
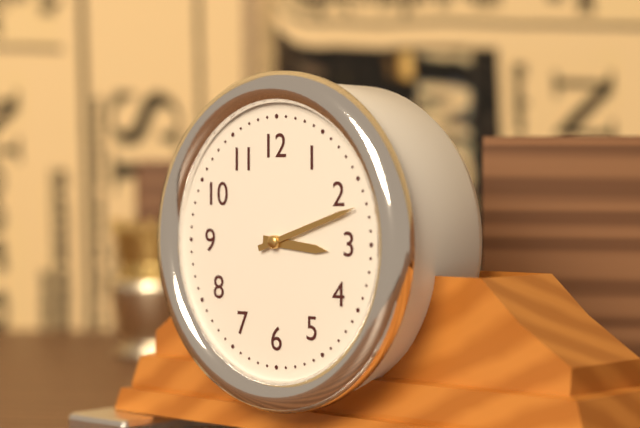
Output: **3:12**
